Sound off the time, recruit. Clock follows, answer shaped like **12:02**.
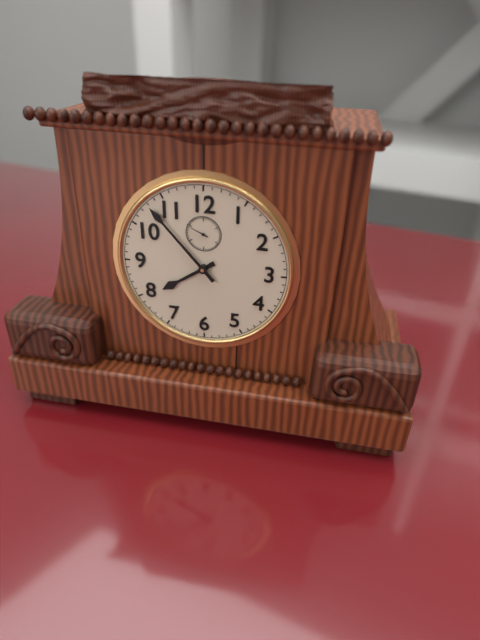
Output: **7:53**
